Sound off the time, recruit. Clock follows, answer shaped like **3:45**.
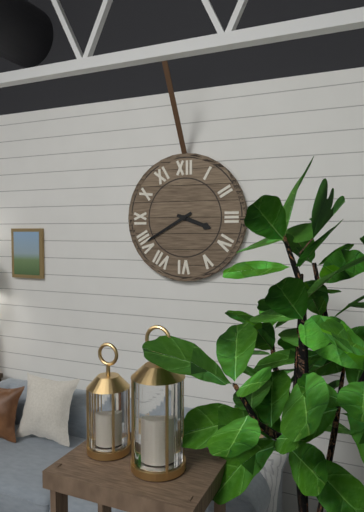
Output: **3:40**
